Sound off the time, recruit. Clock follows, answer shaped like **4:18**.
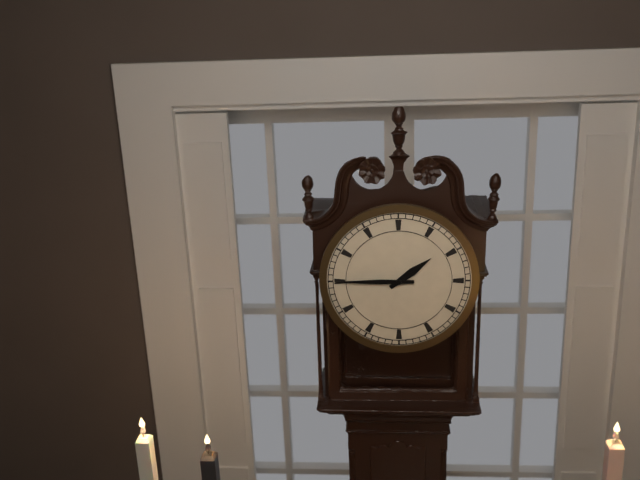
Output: **1:45**
